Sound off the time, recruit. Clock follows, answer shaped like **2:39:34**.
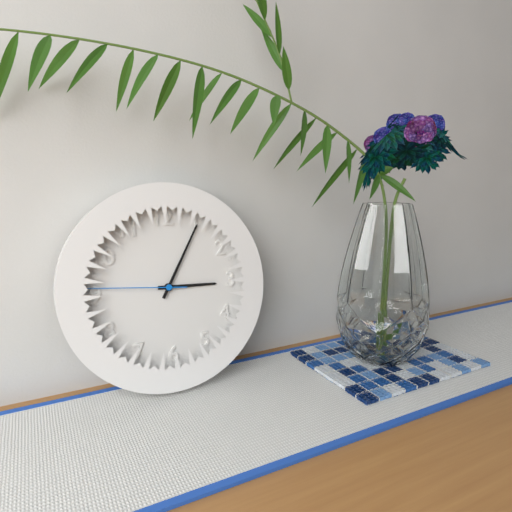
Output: **3:05:46**
